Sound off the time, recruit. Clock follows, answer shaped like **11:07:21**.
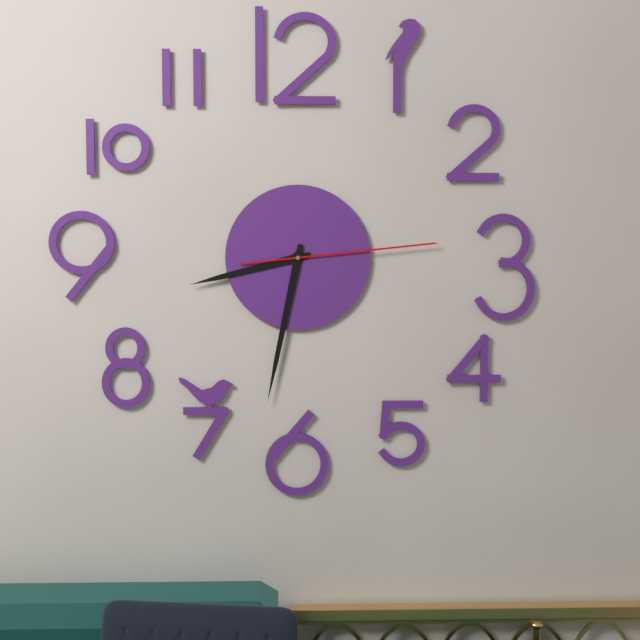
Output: **8:32:14**
